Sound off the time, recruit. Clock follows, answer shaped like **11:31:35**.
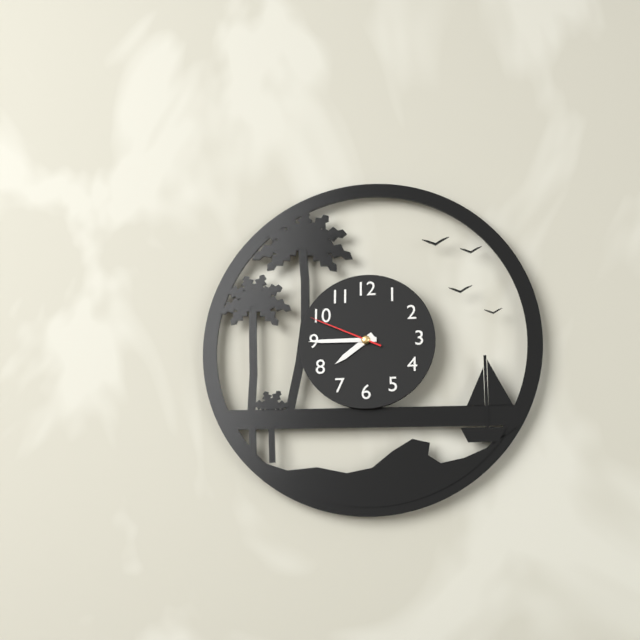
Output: **7:45:49**
